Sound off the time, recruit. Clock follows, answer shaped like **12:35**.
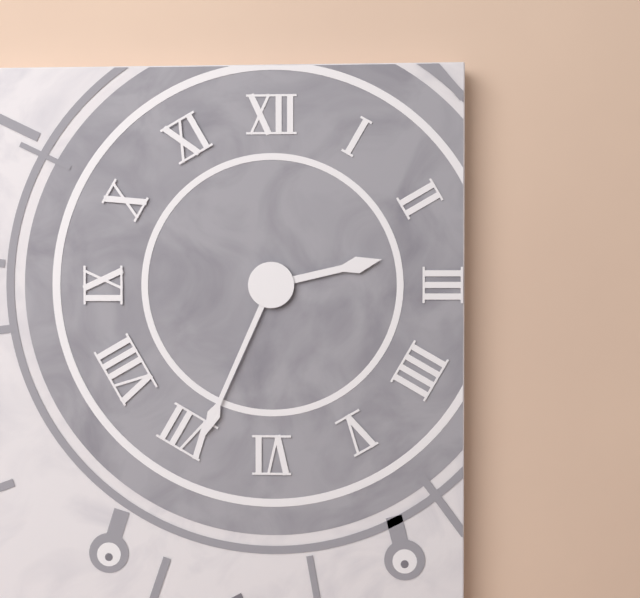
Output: **2:34**
